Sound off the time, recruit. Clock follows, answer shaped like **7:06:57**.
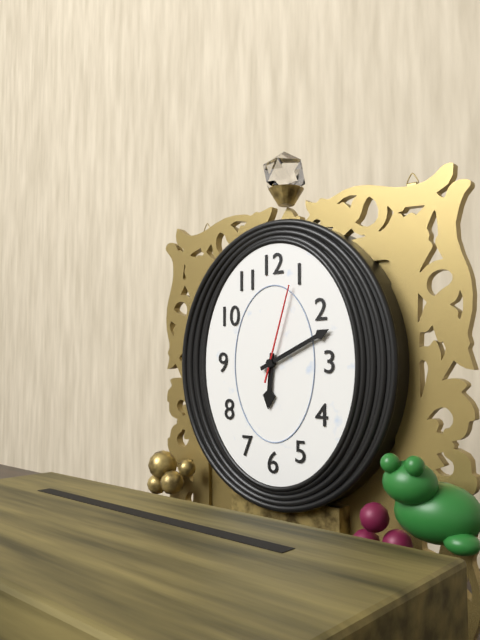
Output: **6:11:03**
